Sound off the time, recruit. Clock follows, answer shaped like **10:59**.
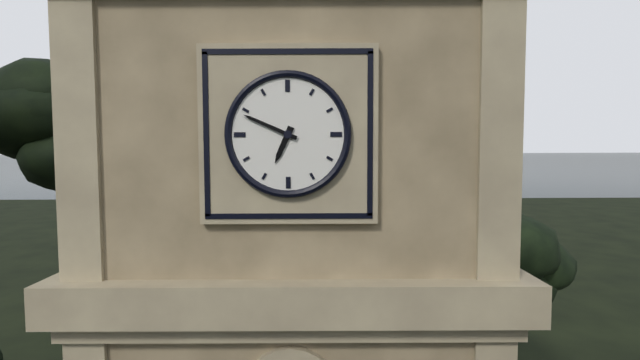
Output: **6:49**
